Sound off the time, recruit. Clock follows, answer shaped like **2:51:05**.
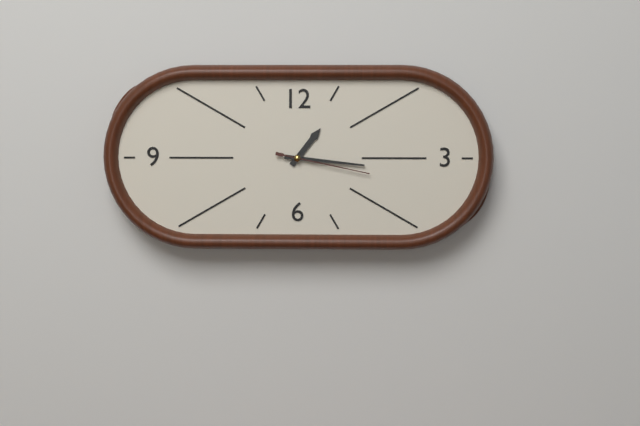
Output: **1:16:17**
